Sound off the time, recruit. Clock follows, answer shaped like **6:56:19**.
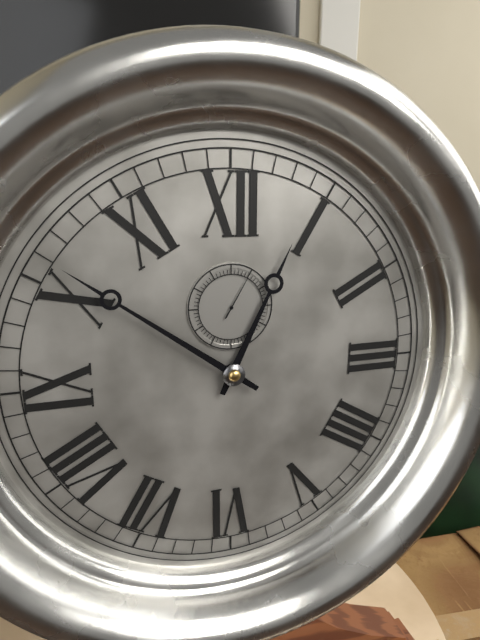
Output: **12:51:05**
